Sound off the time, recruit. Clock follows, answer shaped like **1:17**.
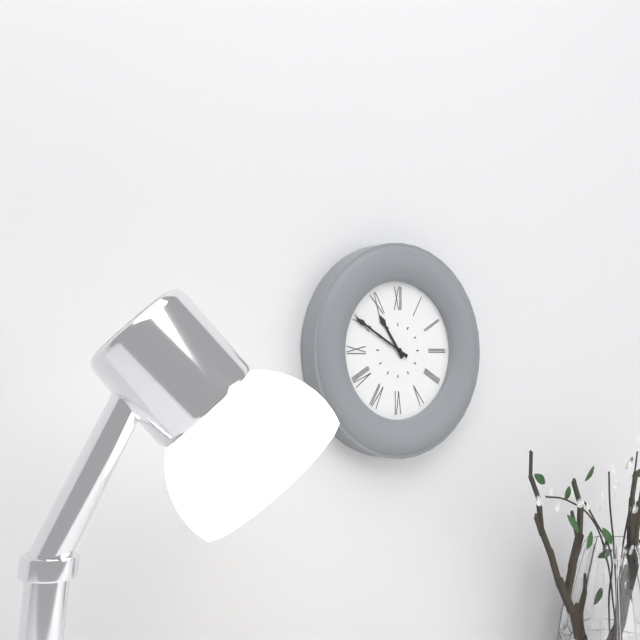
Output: **10:50**
